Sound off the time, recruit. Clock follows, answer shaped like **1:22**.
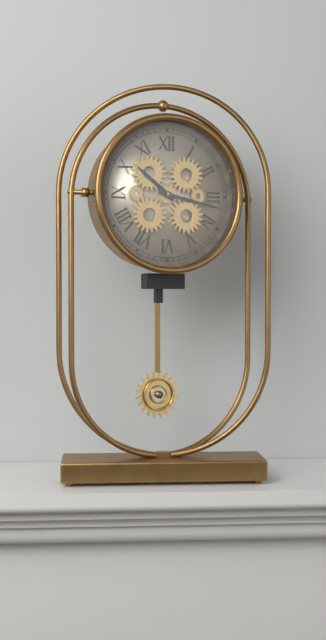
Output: **10:17**
